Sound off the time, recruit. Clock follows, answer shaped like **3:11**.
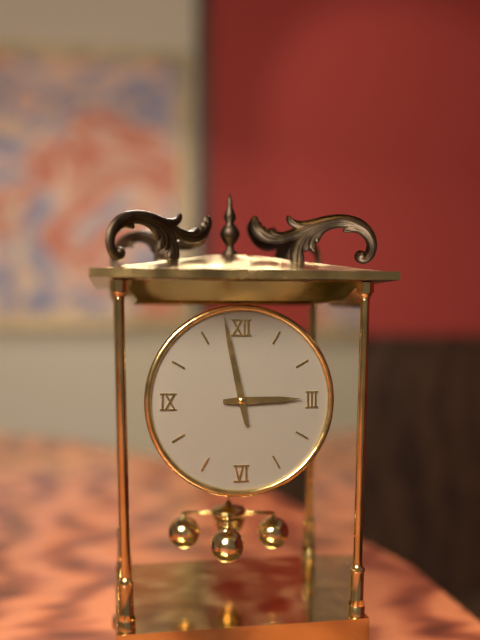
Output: **2:58**
